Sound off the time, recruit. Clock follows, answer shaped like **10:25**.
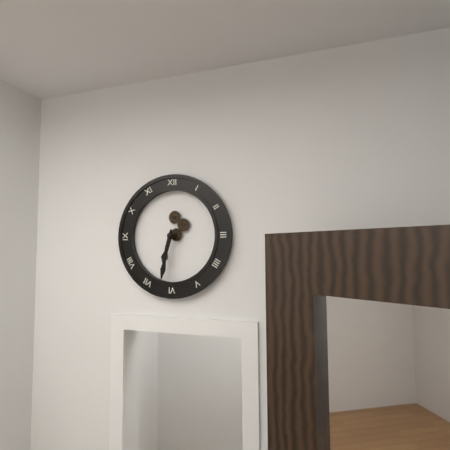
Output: **6:32**
